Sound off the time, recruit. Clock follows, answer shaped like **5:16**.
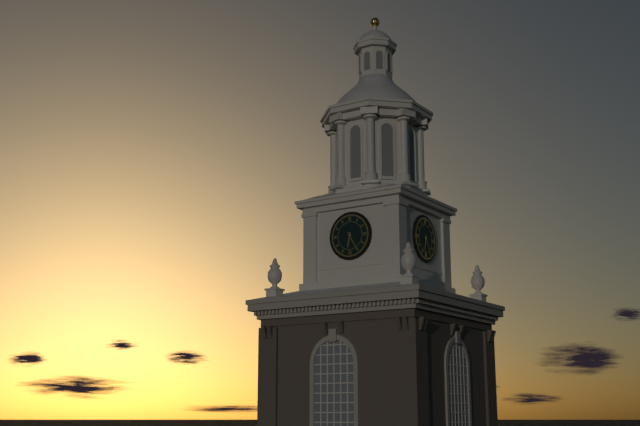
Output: **6:25**
